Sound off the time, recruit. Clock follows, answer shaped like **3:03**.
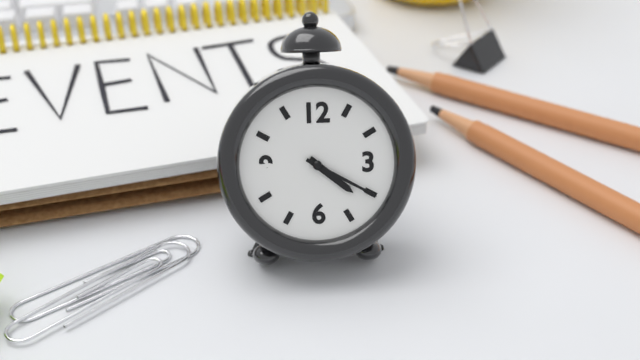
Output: **4:20**
